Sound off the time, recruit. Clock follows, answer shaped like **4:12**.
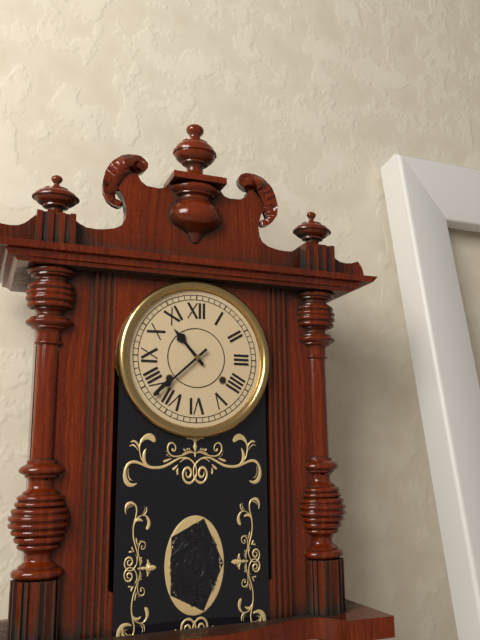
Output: **10:38**
